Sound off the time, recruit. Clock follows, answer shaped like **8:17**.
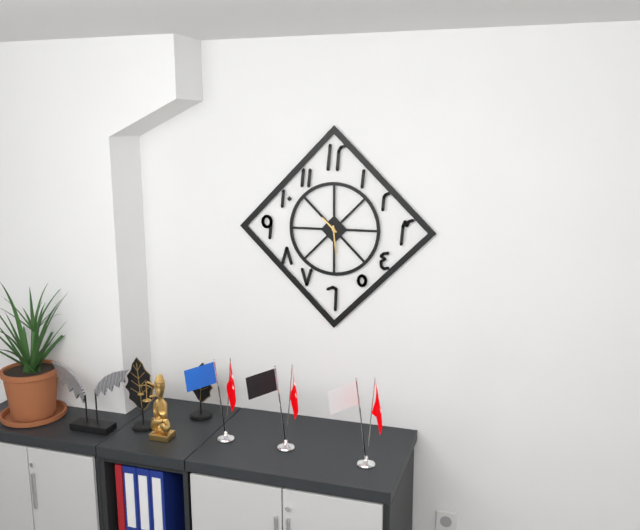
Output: **10:29**
